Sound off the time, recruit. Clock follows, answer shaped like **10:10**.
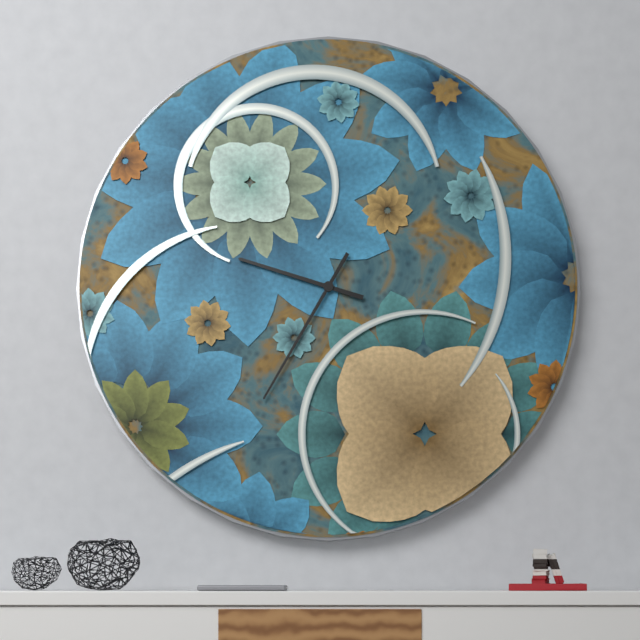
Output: **9:35**
